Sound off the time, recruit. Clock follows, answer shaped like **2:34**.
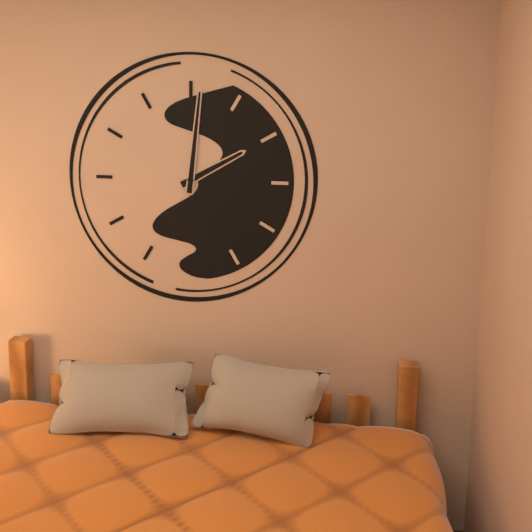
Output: **2:01**
